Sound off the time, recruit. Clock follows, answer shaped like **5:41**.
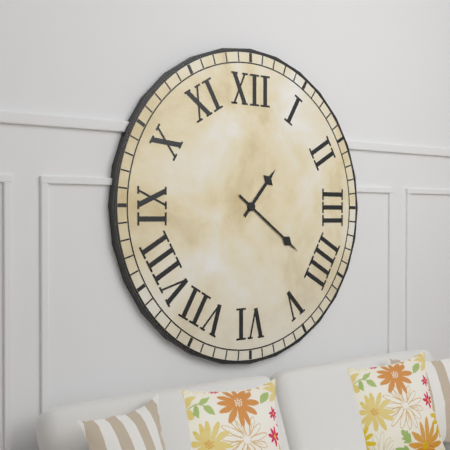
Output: **1:21**
